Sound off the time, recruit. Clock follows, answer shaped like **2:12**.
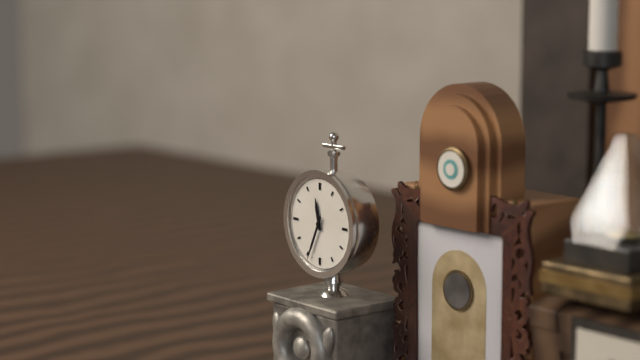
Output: **11:34**
